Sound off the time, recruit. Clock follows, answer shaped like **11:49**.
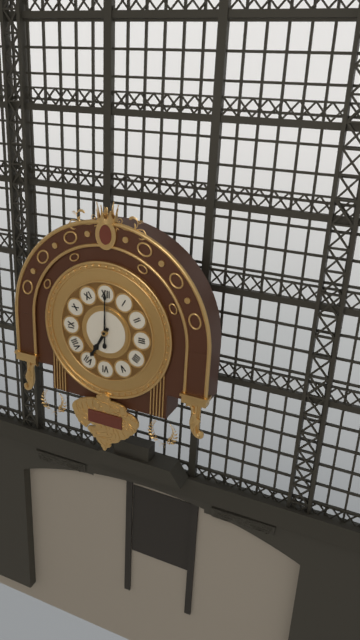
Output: **7:00**
